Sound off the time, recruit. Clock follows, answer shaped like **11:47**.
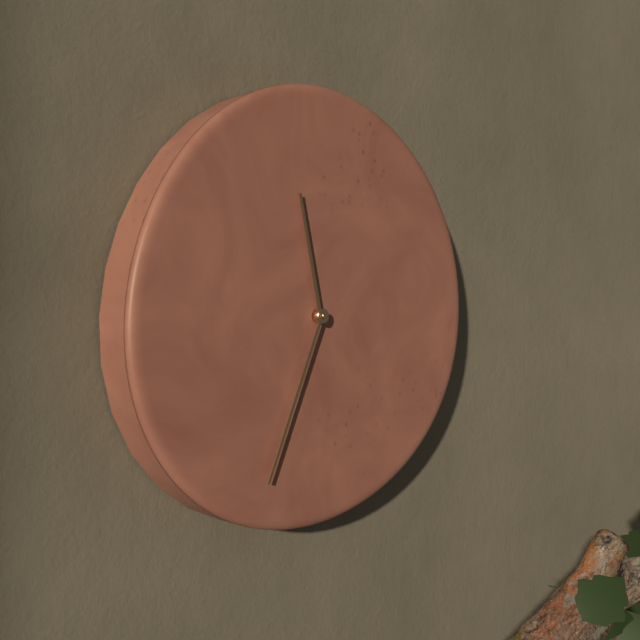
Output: **11:34**
